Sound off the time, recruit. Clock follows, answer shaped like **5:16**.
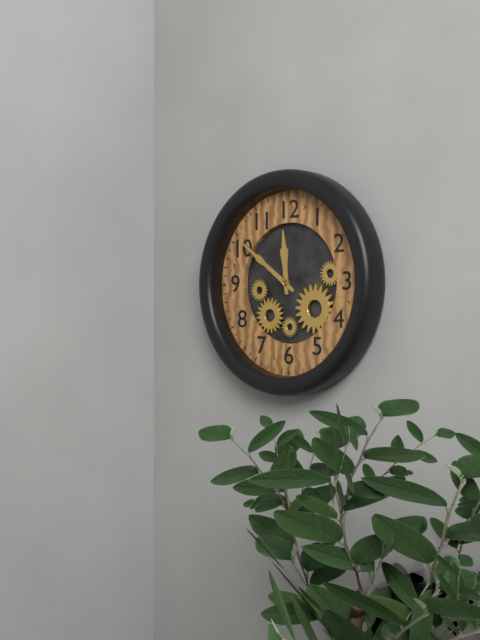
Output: **11:51**
